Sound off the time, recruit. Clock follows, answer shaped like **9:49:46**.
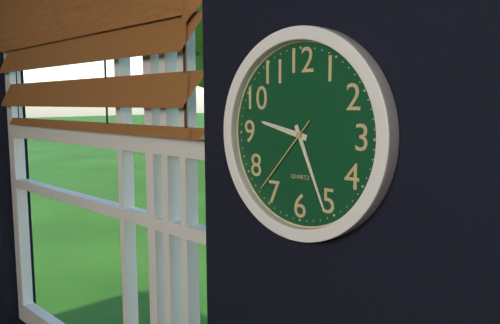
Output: **9:26:37**
